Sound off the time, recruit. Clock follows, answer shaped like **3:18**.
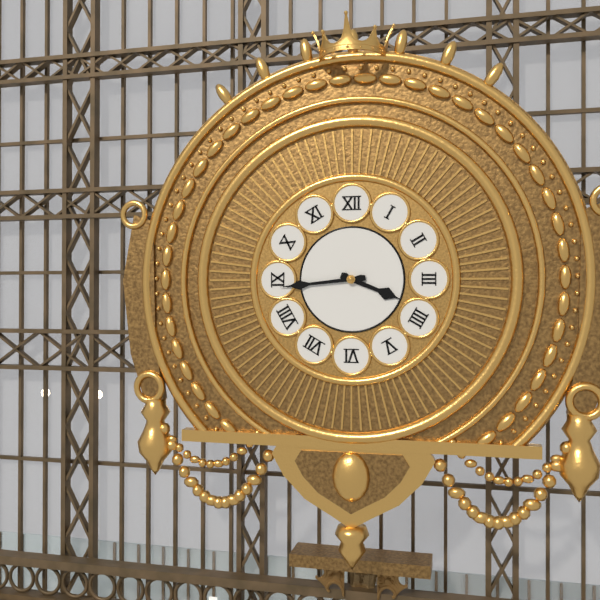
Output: **3:44**
